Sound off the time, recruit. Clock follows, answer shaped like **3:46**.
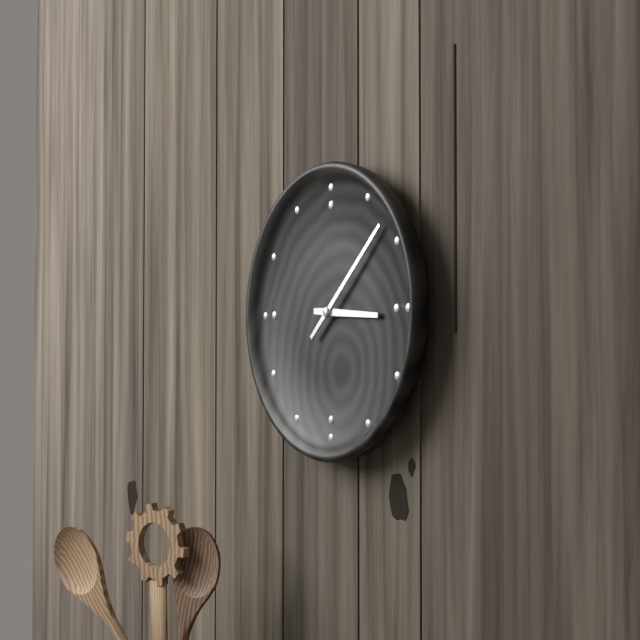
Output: **3:08**
